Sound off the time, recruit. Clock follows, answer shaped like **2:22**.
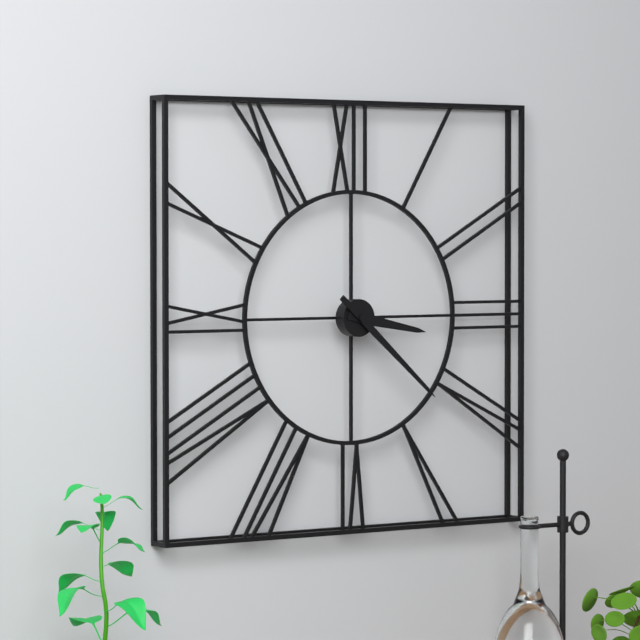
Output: **3:22**
